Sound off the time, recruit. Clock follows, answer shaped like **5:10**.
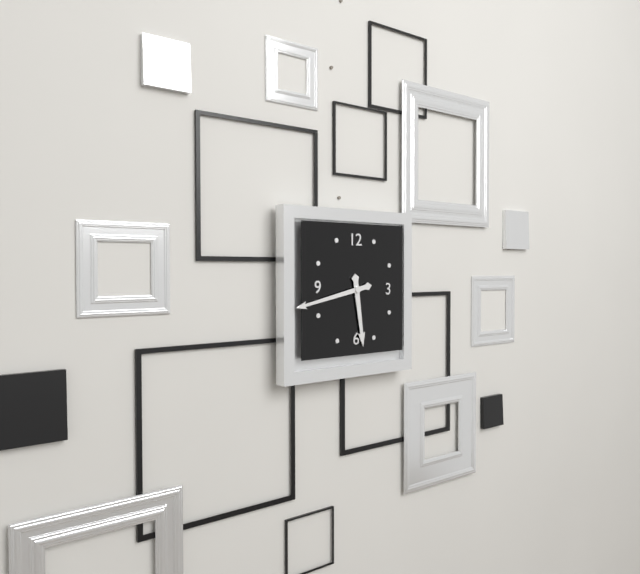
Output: **5:43**
